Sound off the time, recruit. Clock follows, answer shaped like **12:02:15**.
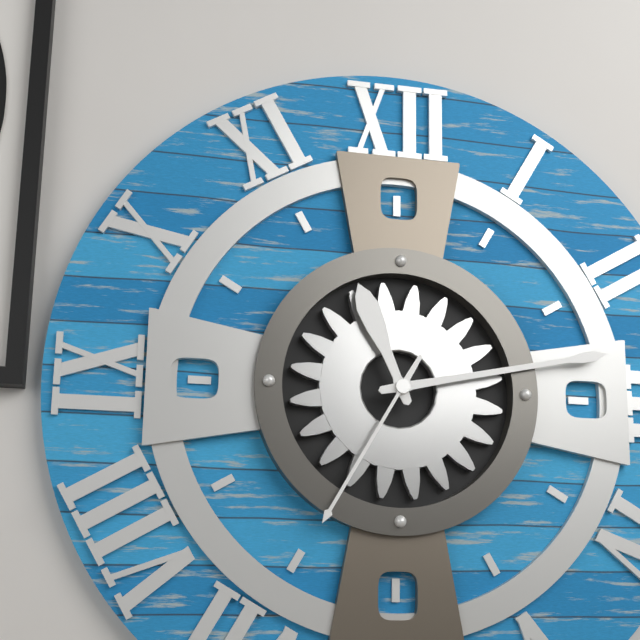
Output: **11:13:35**
